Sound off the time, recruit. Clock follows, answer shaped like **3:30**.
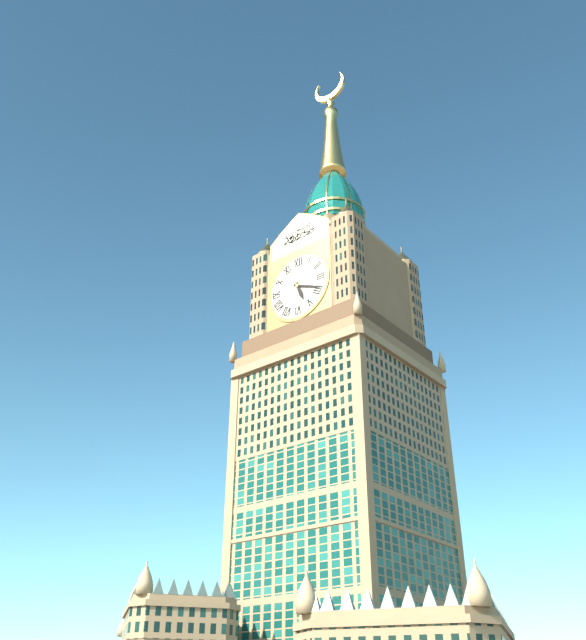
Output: **5:19**
